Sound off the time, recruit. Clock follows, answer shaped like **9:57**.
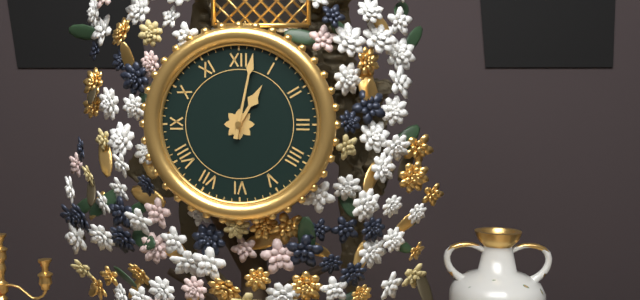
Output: **1:02**
